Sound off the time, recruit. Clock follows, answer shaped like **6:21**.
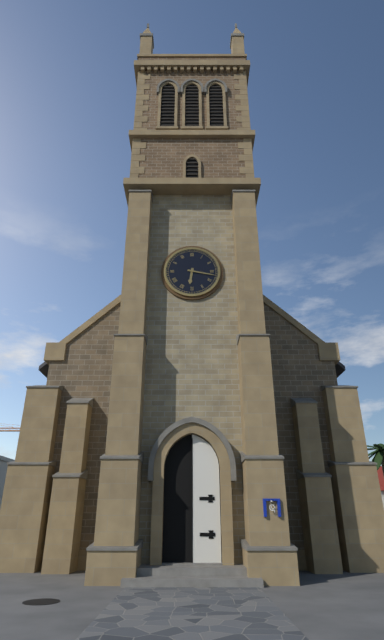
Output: **6:17**
